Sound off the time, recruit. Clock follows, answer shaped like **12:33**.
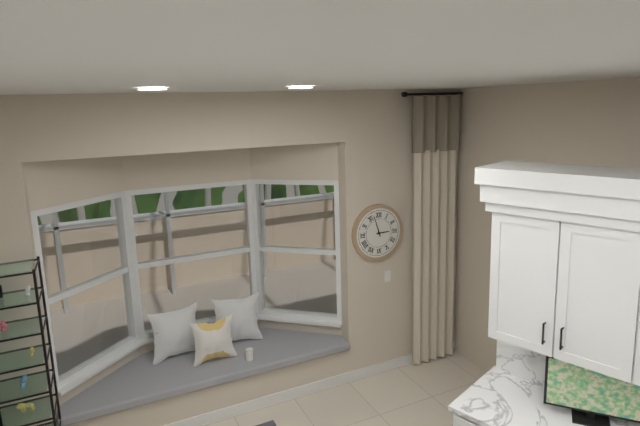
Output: **2:57**
